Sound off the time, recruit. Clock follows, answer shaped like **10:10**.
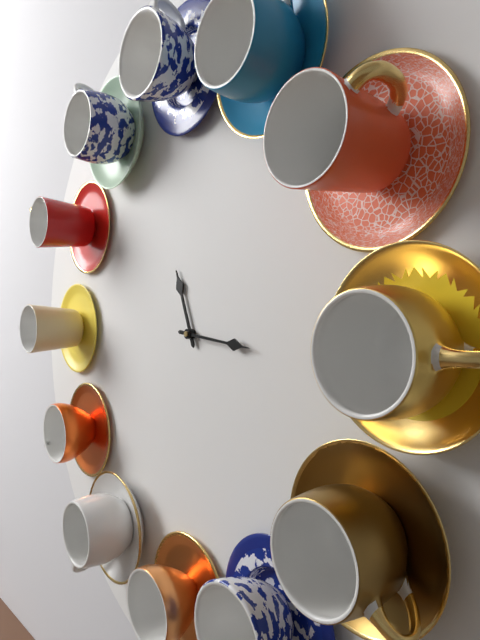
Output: **11:16**
